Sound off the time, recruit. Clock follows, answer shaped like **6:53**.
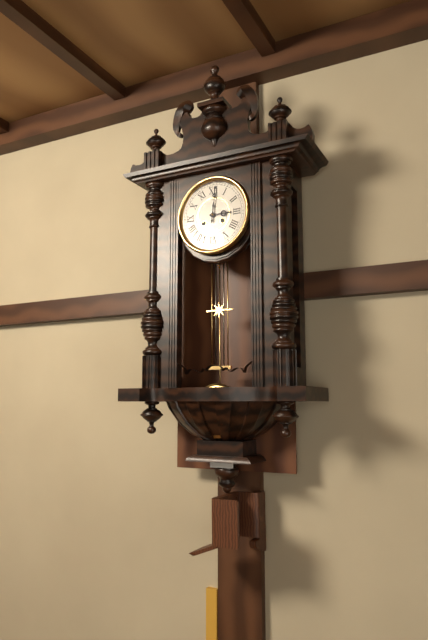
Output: **3:01**
